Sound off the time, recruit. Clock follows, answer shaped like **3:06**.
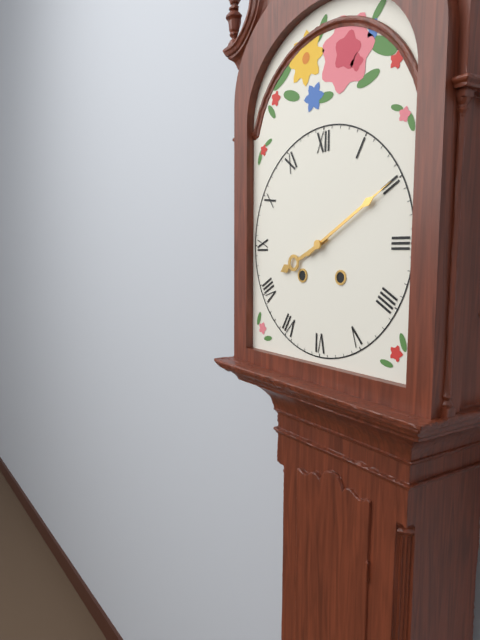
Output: **8:10**
